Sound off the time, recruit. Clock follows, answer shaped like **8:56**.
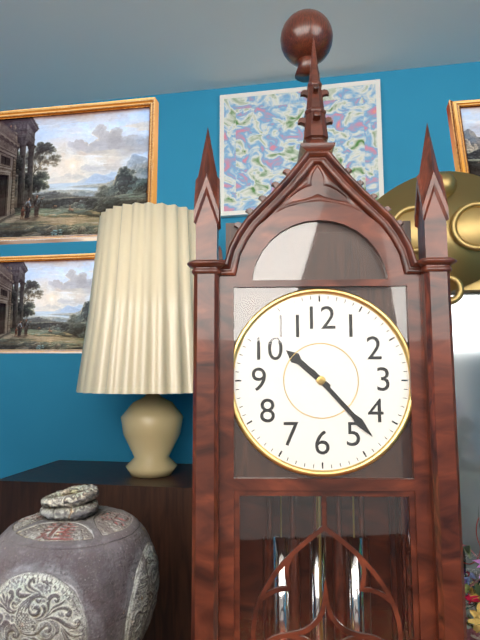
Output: **10:23**
